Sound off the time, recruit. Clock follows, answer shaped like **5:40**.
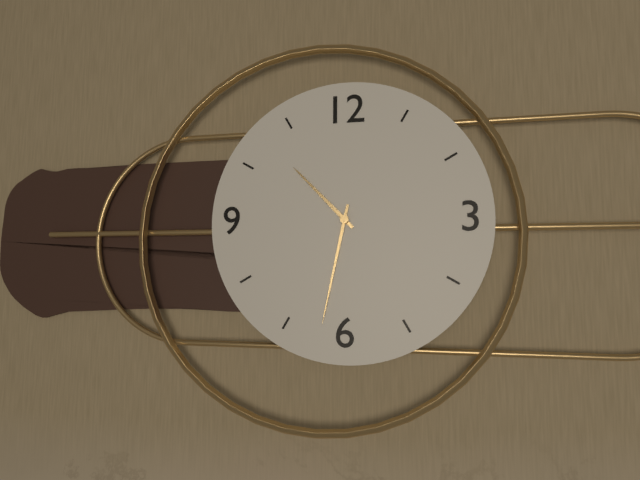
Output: **10:32**
